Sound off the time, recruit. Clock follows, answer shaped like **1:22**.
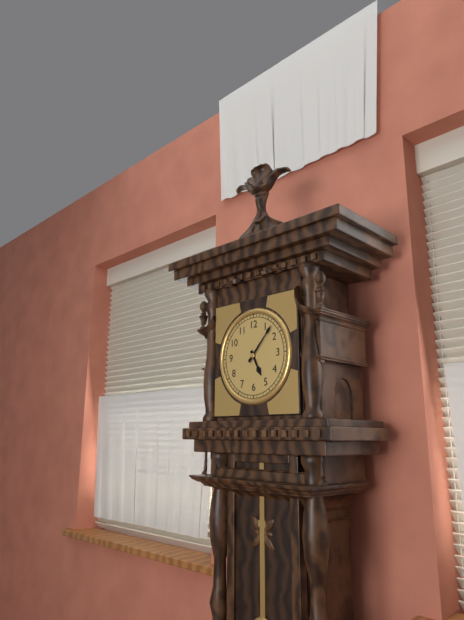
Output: **5:07**
